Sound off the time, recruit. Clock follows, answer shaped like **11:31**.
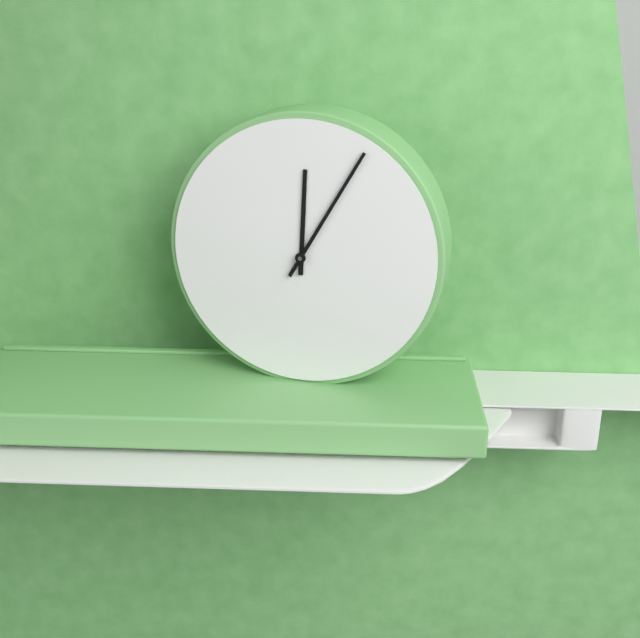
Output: **12:05**
